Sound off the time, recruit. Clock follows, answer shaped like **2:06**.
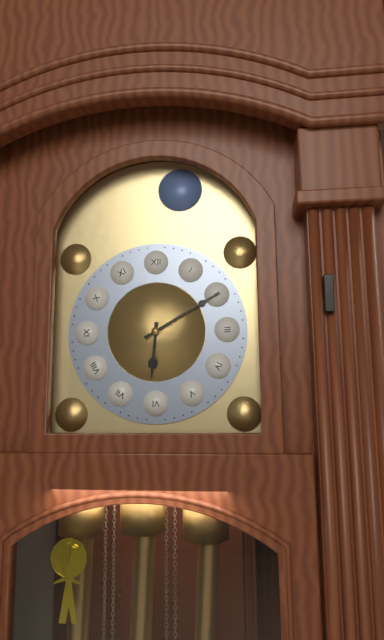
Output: **6:10**
